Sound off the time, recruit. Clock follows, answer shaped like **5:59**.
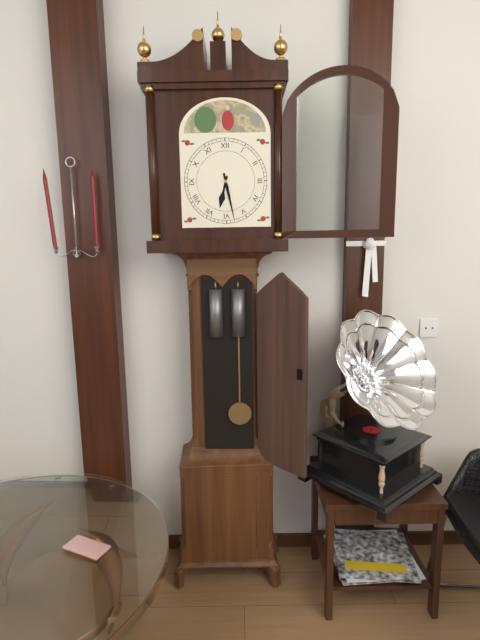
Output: **6:28**
